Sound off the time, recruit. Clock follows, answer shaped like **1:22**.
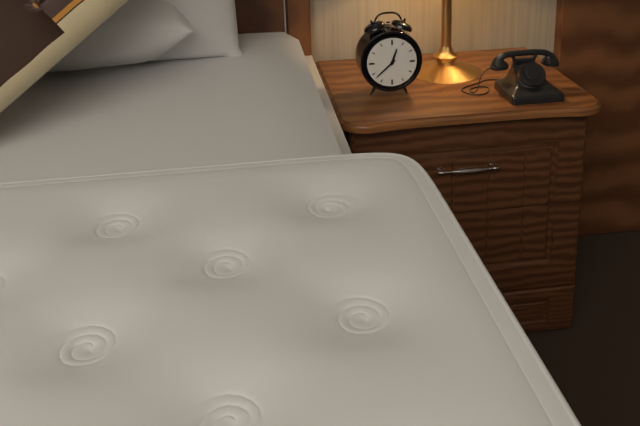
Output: **12:38**
